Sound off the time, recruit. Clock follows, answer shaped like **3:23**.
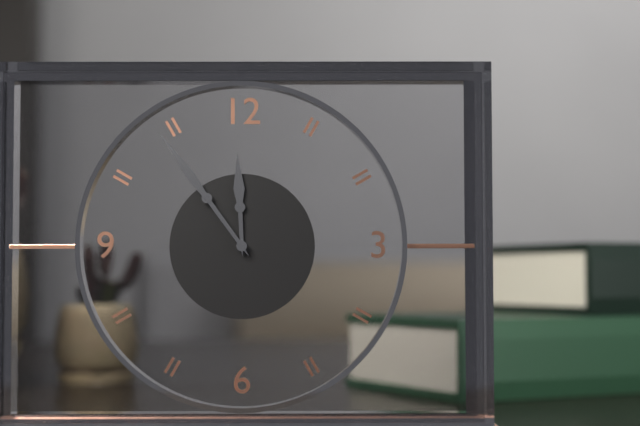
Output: **11:54**
